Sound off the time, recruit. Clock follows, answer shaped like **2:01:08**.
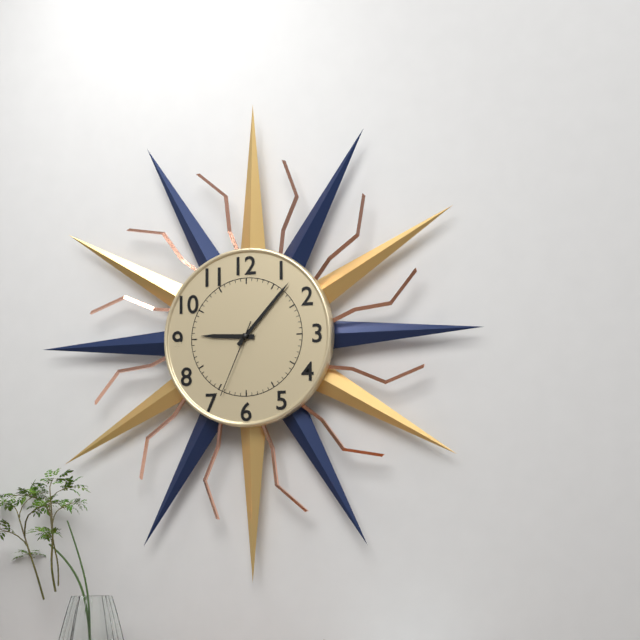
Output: **9:07:34**
